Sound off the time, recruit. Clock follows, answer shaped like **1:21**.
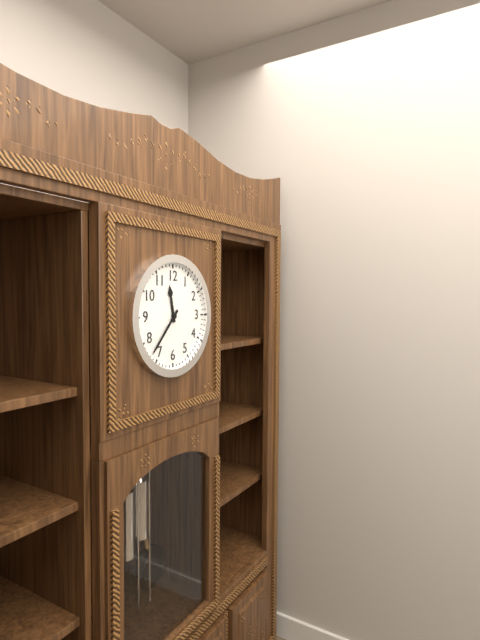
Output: **11:37**
